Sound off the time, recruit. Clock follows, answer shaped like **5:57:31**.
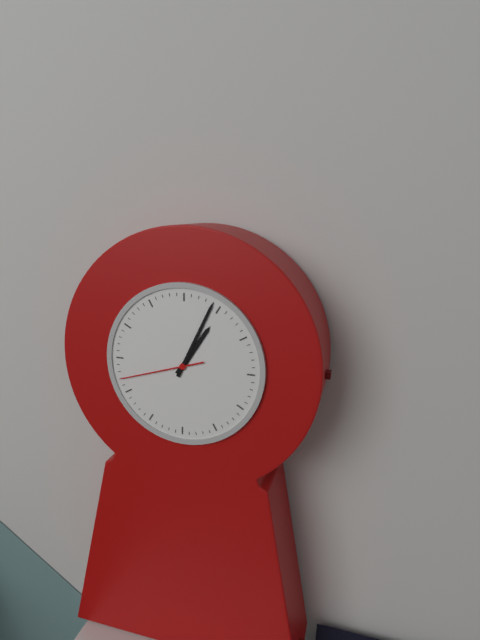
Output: **1:04:42**
